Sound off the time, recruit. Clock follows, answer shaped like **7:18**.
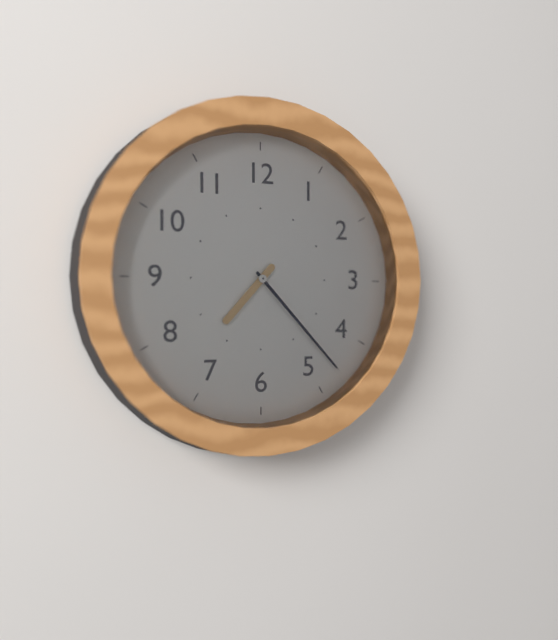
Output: **7:23**
